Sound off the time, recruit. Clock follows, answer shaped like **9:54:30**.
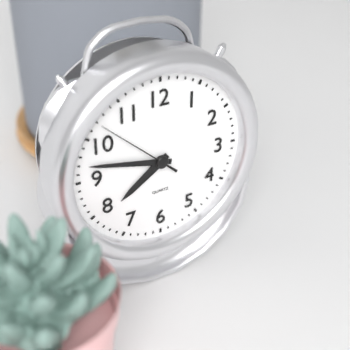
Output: **7:47:52**
